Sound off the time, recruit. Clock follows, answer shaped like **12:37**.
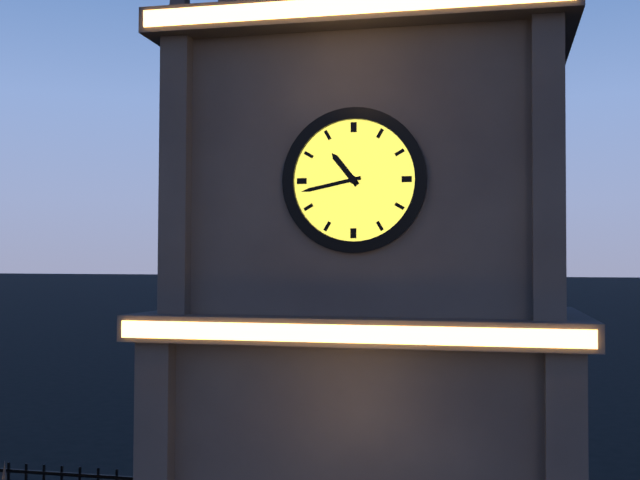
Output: **10:43**
